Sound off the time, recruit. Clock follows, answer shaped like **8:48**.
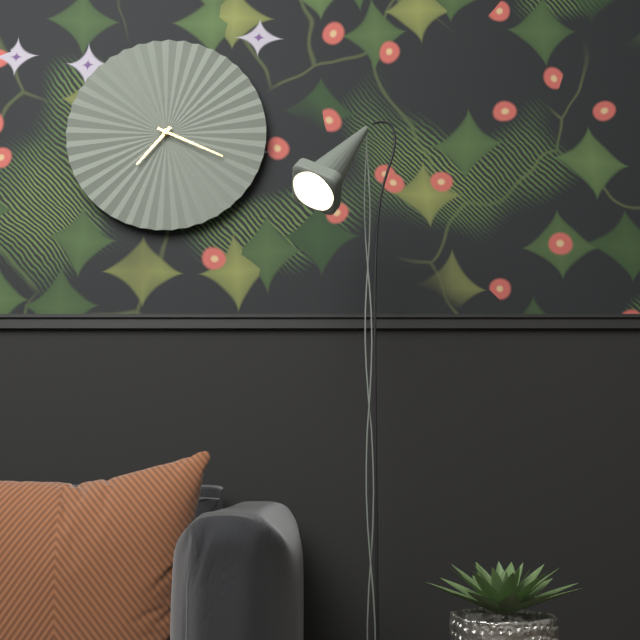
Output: **7:19**
